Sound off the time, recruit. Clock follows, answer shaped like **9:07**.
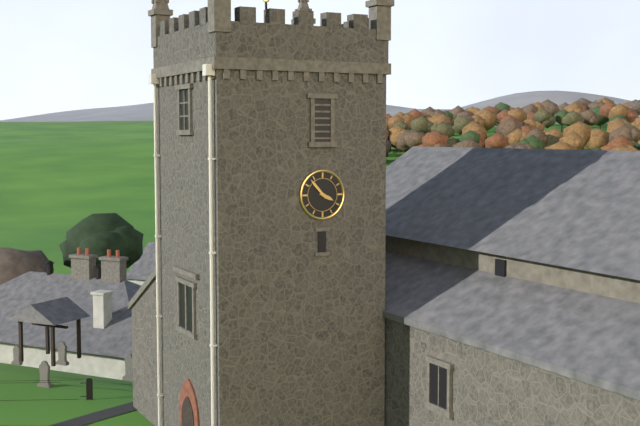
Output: **3:53**
